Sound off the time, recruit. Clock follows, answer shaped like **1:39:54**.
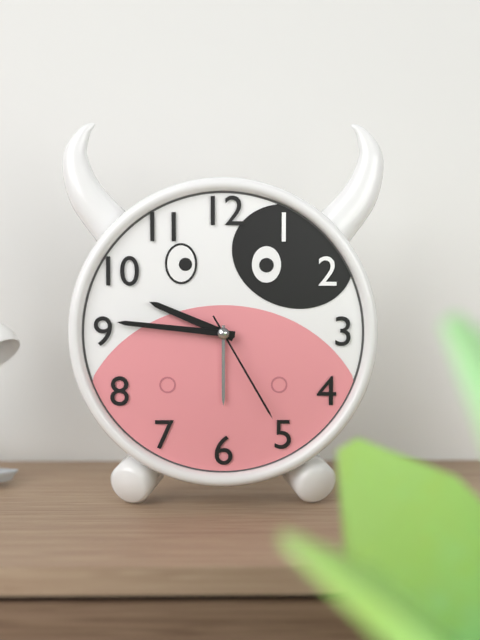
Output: **9:46:25**
